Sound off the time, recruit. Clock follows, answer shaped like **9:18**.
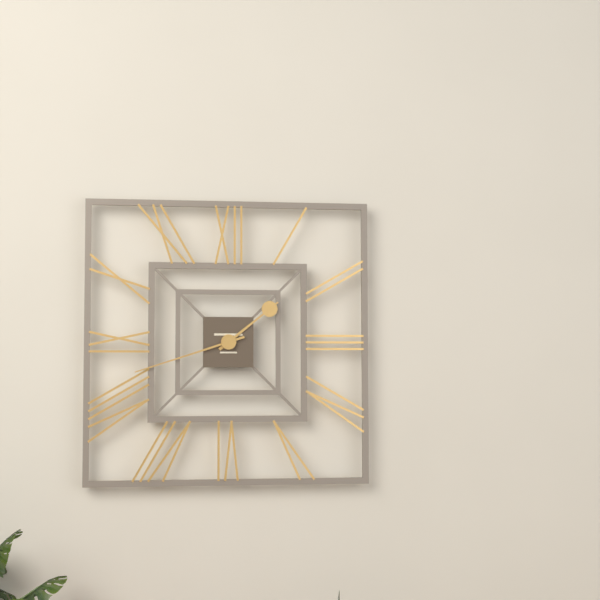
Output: **1:42**
